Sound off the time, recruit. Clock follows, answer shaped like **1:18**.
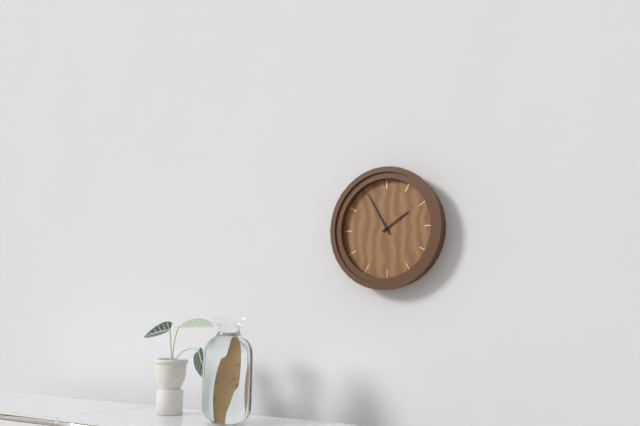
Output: **1:55**
